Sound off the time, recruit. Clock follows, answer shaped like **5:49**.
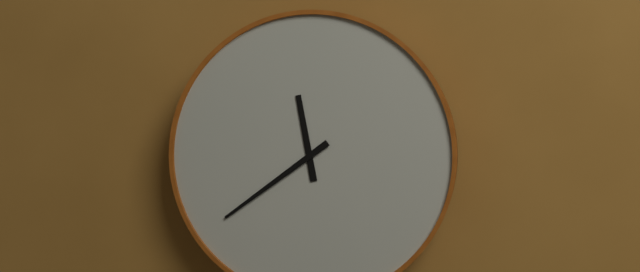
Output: **11:39**
